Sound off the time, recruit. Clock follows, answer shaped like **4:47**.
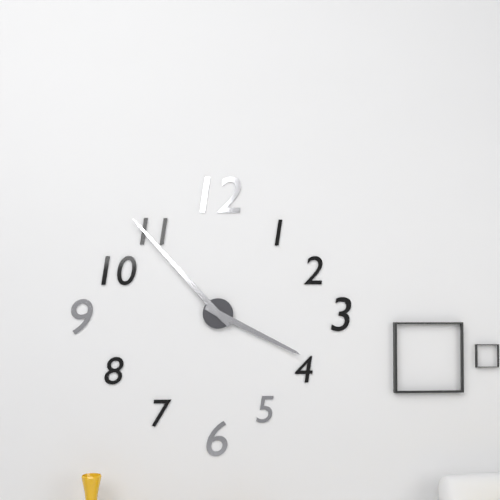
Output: **3:53**
